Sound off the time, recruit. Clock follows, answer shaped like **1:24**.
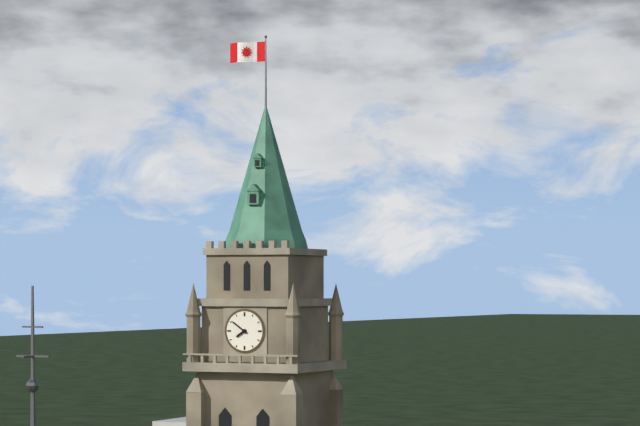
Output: **7:51**
